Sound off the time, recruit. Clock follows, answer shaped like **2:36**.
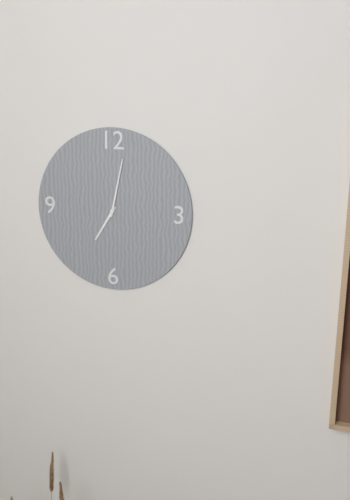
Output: **7:02**
